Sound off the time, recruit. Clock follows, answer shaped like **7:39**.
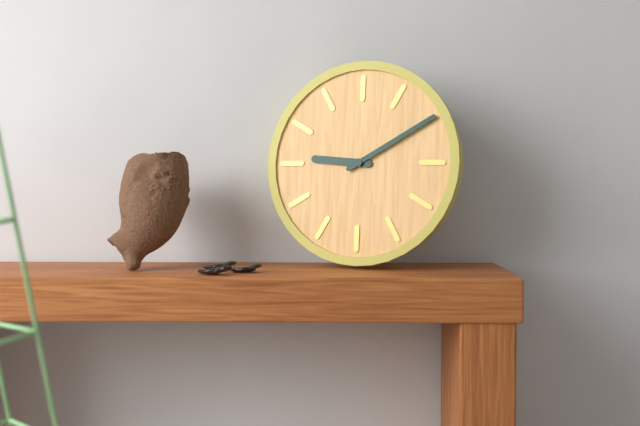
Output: **9:10**
